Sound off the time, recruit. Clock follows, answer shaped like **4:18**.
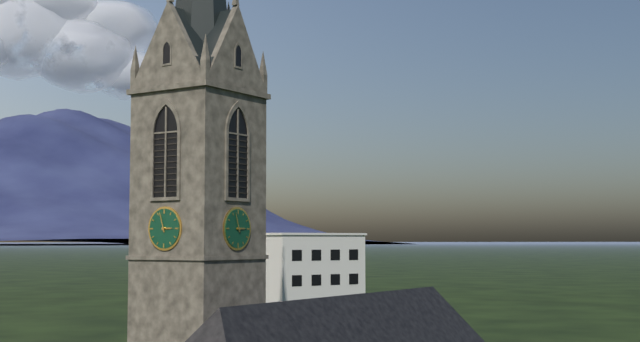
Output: **2:57**
